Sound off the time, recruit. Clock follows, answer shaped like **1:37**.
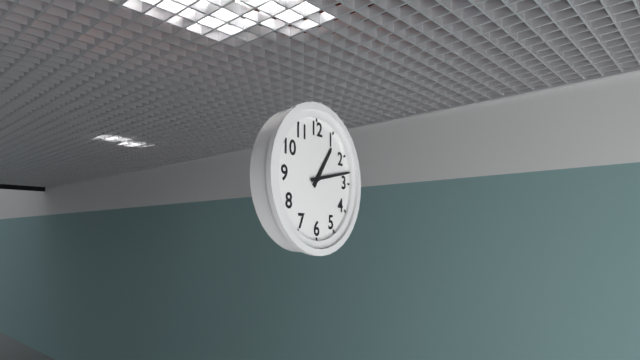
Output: **1:13**
